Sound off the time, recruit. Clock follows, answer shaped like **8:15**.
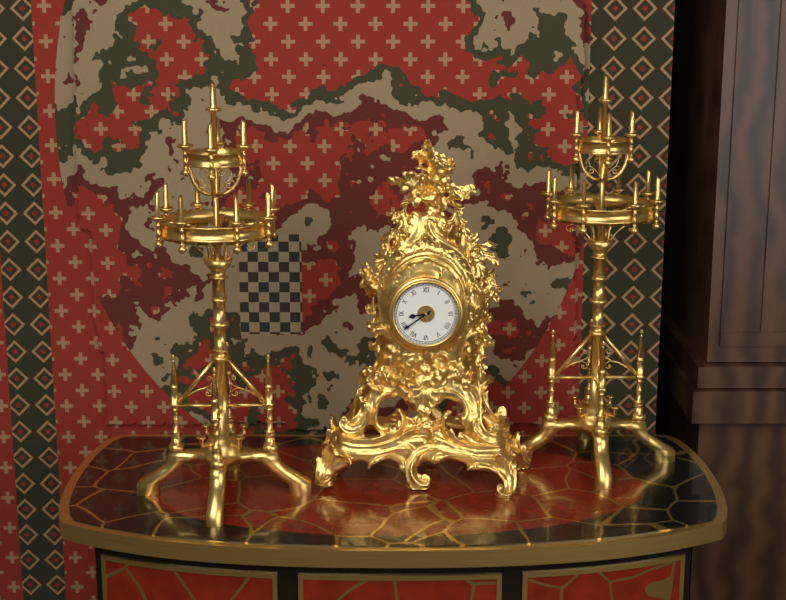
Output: **8:39**
